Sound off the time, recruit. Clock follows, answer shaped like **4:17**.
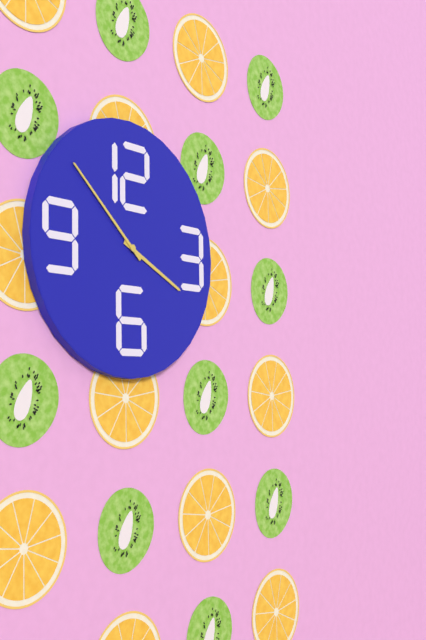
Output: **3:52**
